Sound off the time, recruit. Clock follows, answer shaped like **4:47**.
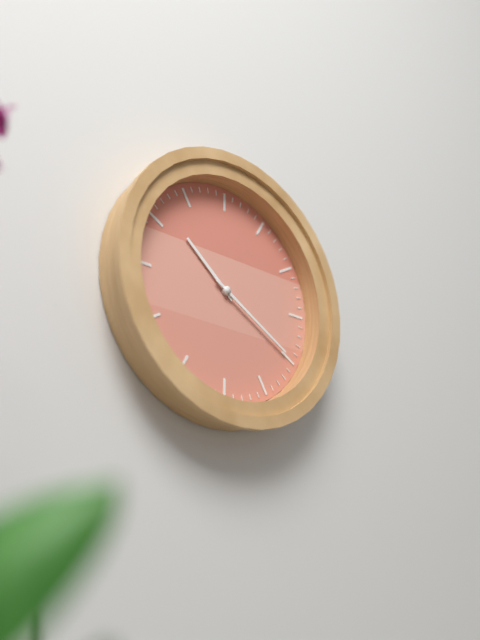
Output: **10:20**
